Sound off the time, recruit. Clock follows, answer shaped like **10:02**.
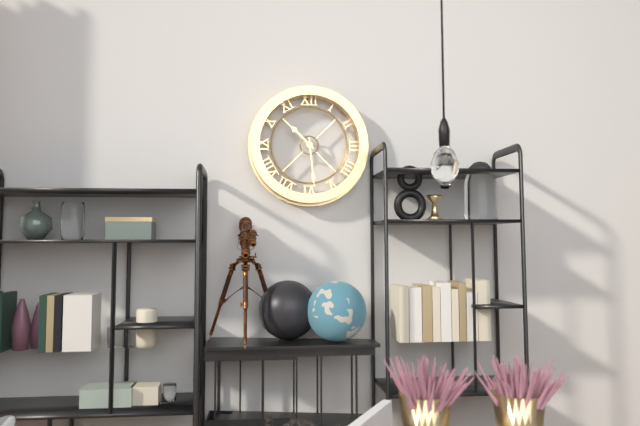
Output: **10:29**
